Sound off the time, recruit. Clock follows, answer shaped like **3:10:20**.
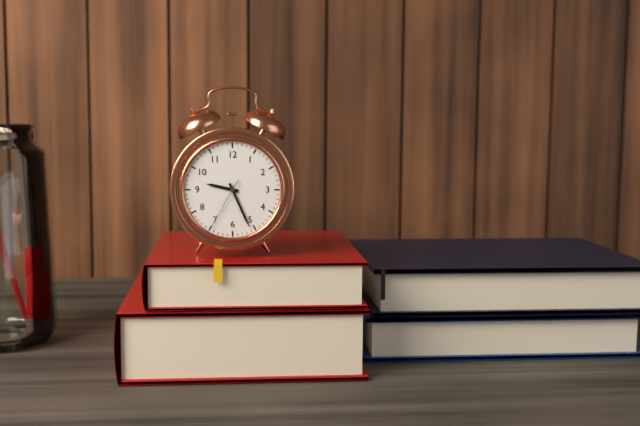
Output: **9:26:35**
